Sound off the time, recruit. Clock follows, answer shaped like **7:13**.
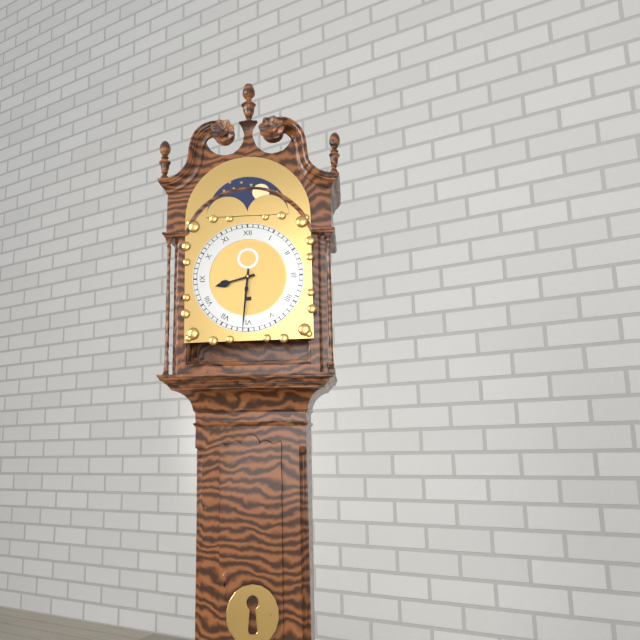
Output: **8:31**
